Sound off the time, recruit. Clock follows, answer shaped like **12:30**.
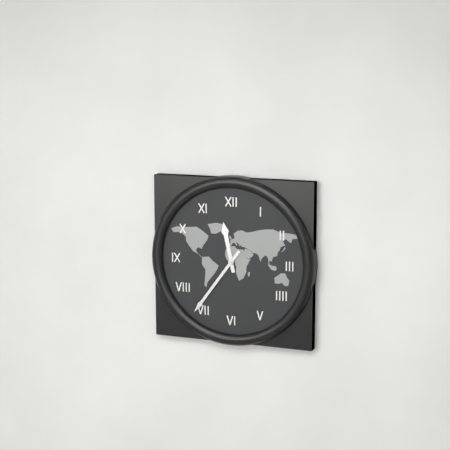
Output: **11:36**
